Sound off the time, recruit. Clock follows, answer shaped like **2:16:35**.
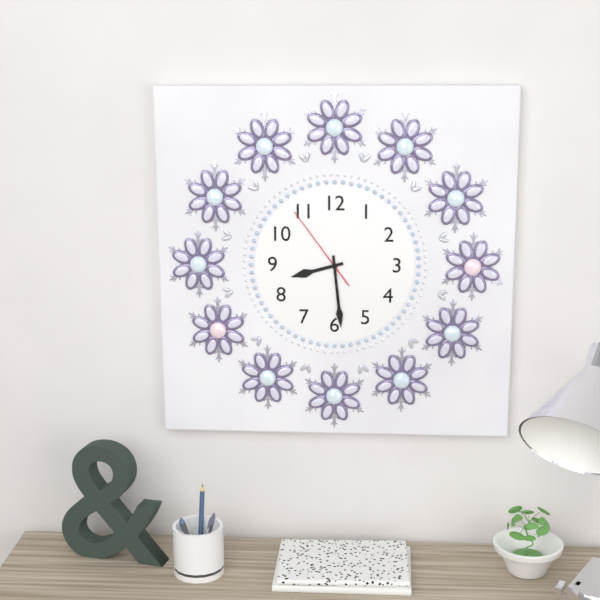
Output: **8:29:54**
